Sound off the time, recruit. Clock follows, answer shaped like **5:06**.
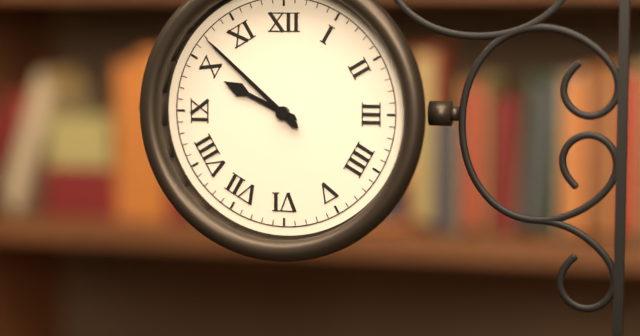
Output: **9:52**
